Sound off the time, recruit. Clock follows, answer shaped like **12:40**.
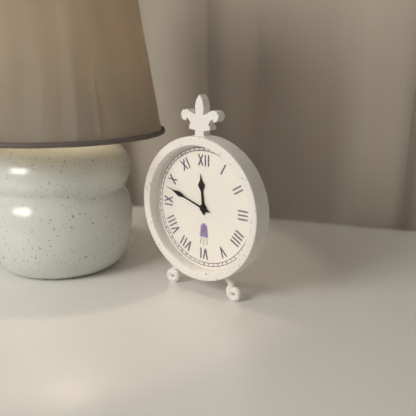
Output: **11:48**
